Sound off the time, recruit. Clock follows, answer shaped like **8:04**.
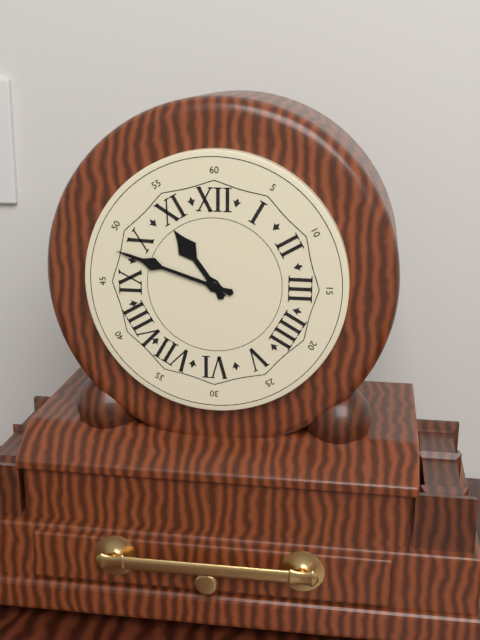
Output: **10:48**
